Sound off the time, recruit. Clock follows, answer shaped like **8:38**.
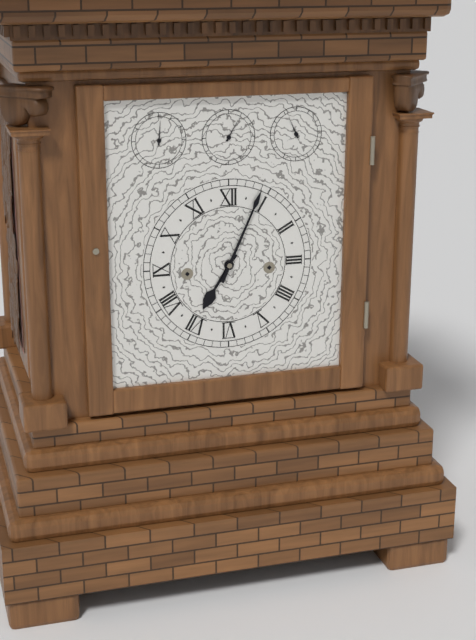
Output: **7:04**
